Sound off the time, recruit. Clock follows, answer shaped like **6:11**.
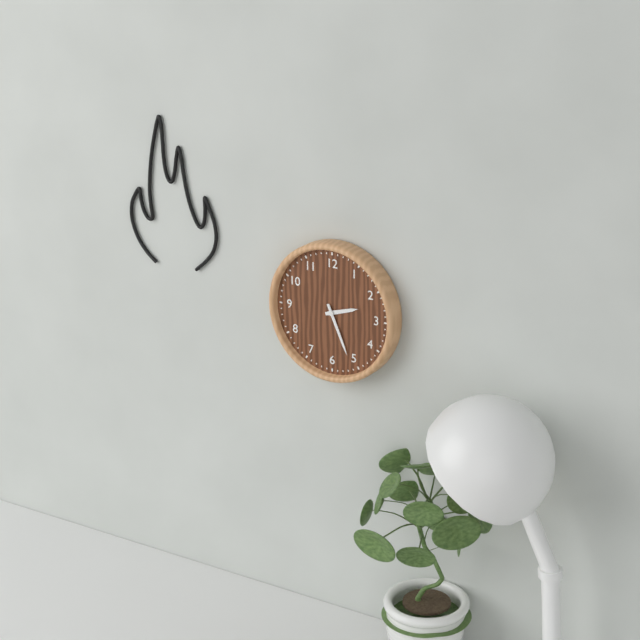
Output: **2:26**
